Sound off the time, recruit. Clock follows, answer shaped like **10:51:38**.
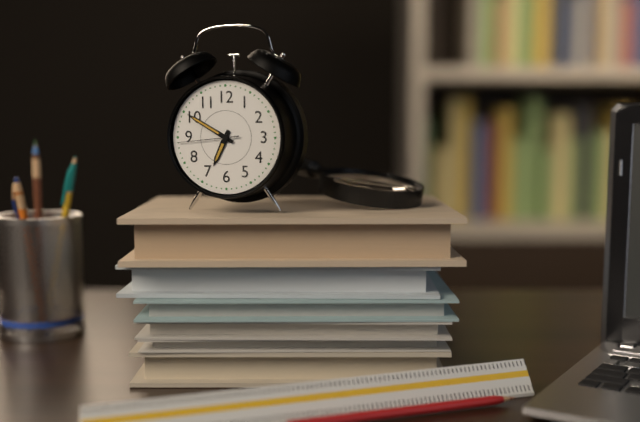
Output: **6:50:44**
